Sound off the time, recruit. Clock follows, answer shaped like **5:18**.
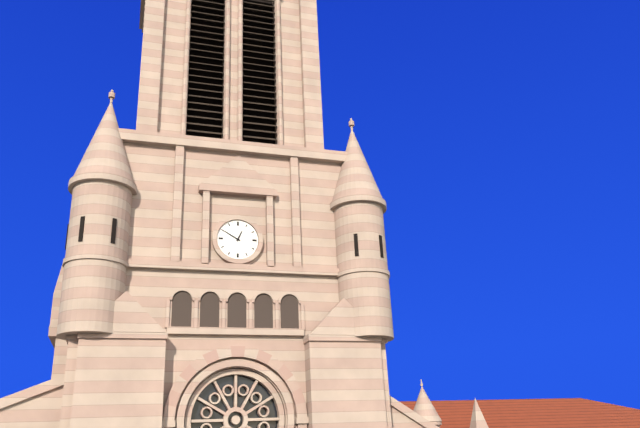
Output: **12:50**
